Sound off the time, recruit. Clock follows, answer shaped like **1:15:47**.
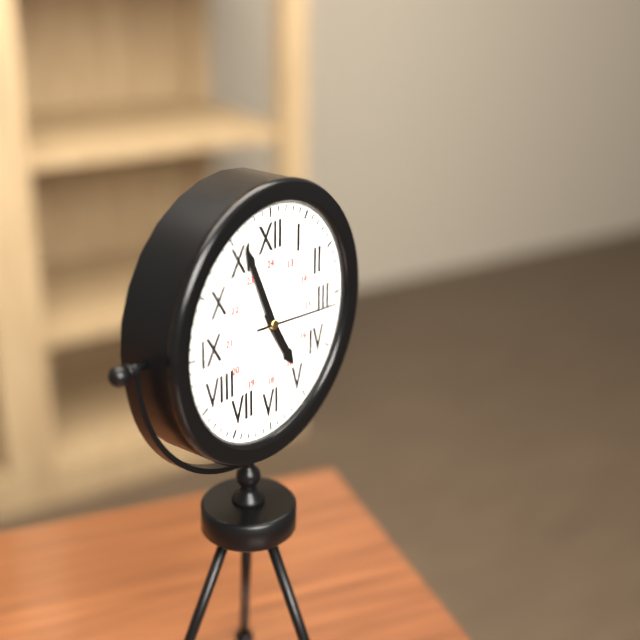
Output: **4:56:16**
